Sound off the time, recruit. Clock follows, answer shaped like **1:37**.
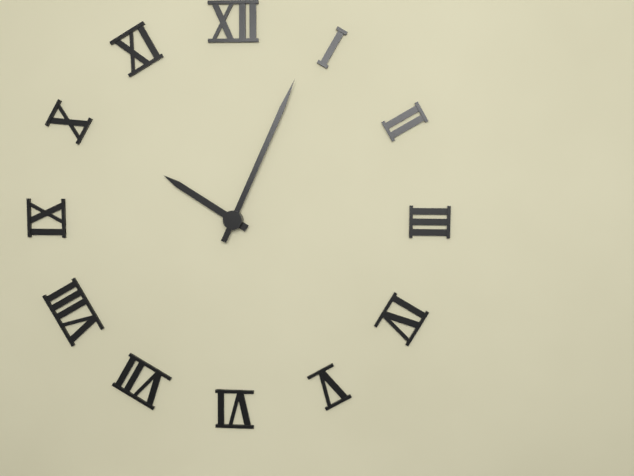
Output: **10:04**
